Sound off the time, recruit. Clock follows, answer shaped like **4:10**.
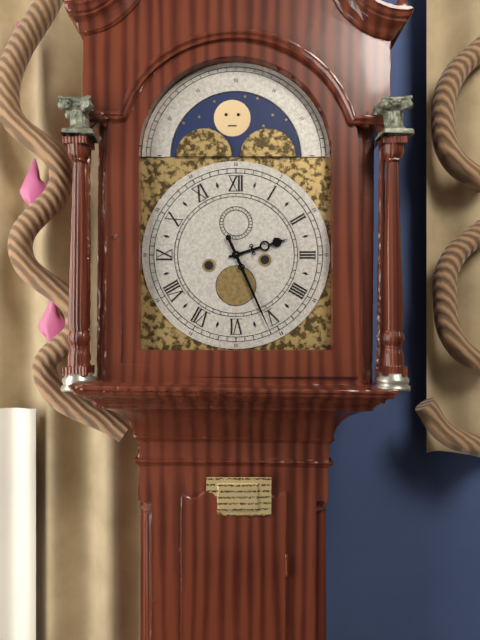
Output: **2:26**
